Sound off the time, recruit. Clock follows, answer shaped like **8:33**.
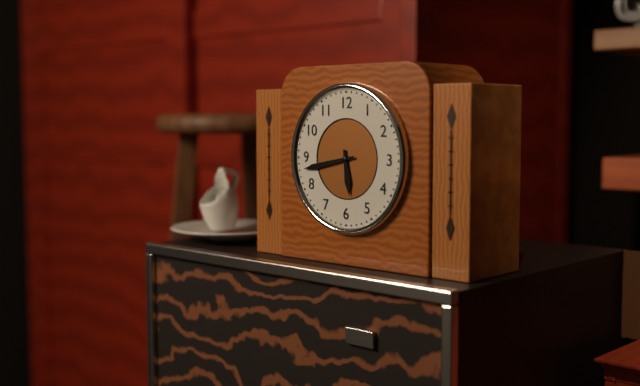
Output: **5:43**
